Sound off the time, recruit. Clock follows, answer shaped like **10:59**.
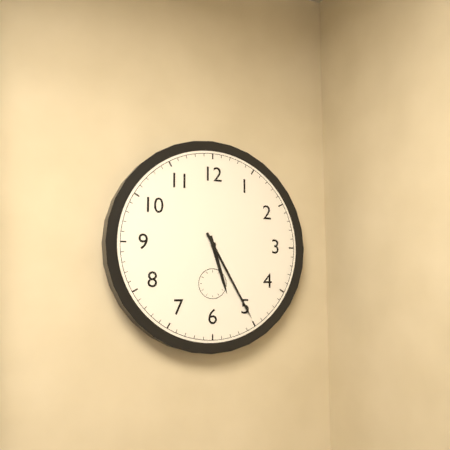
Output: **5:25**
